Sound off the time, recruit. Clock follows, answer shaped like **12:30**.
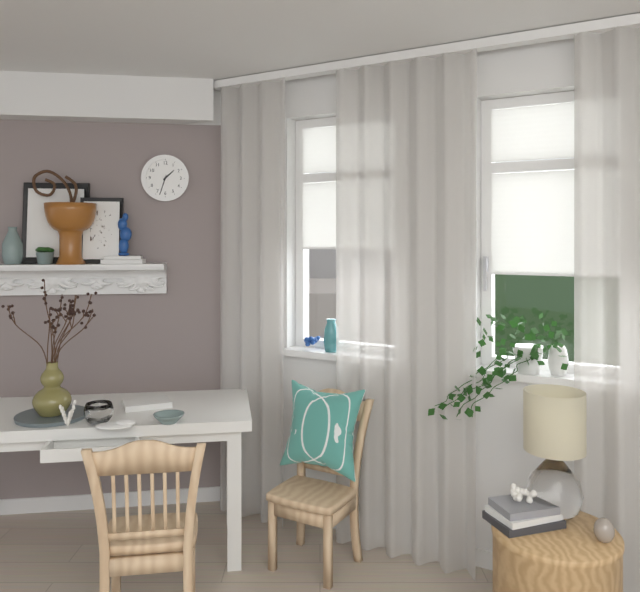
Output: **1:33**
